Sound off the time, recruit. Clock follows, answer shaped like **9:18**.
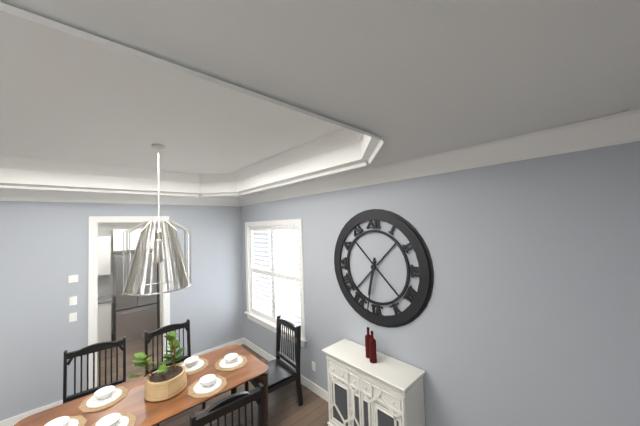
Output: **6:32**
